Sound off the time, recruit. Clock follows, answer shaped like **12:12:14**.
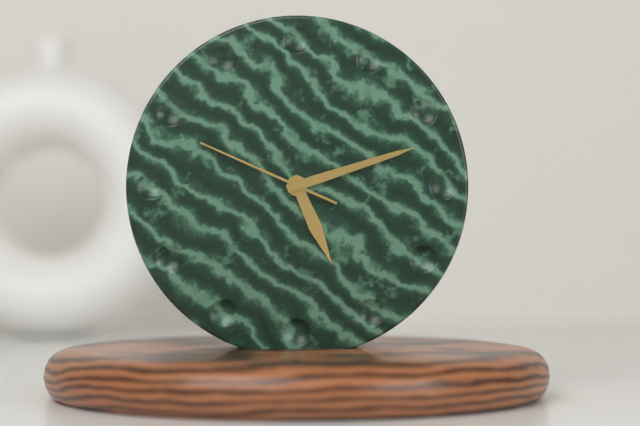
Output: **5:12:49**
